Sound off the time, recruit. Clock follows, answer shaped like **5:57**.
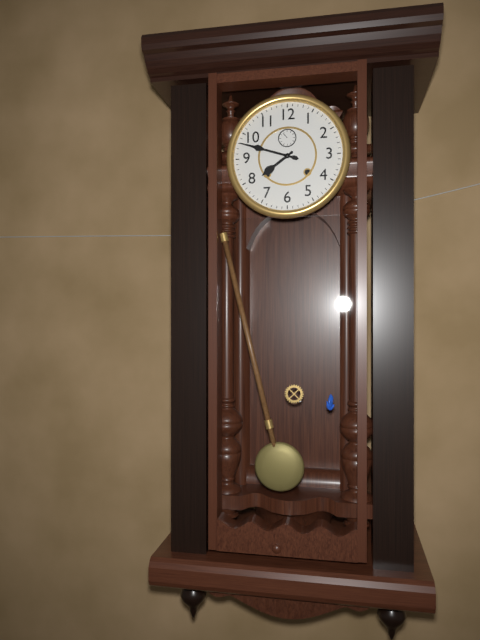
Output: **7:48**
